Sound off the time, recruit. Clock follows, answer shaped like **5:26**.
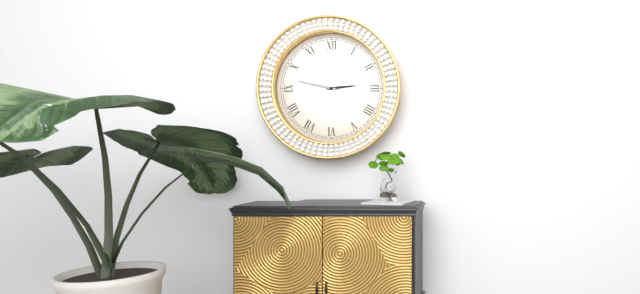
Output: **2:47**
